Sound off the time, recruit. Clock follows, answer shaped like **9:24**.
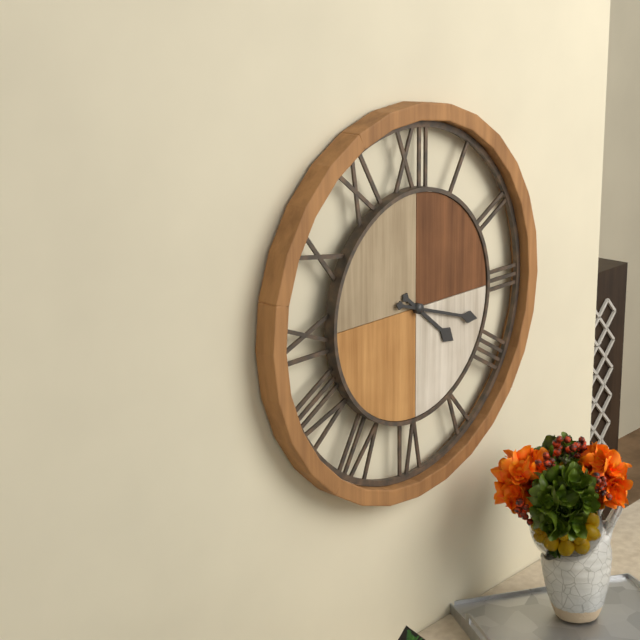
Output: **4:18**
